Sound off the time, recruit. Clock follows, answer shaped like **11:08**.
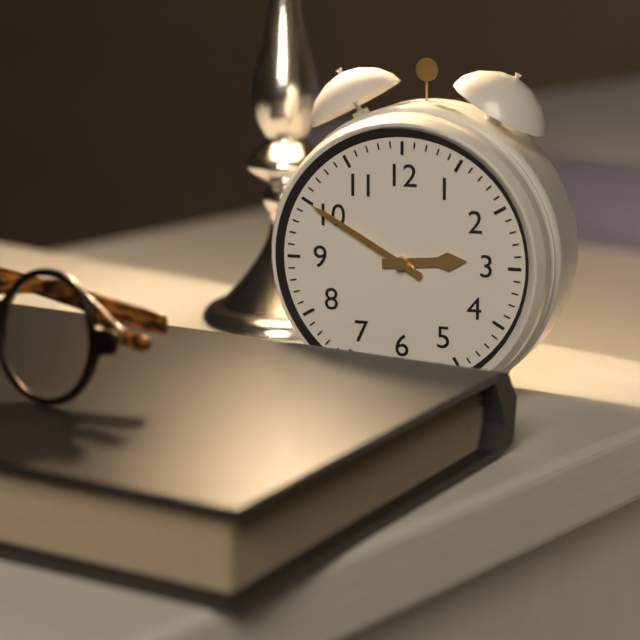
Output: **2:50**
